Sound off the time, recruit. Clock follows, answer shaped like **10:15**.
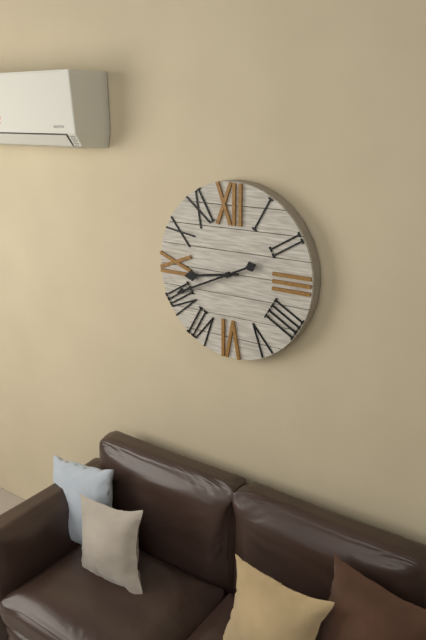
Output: **8:41**
